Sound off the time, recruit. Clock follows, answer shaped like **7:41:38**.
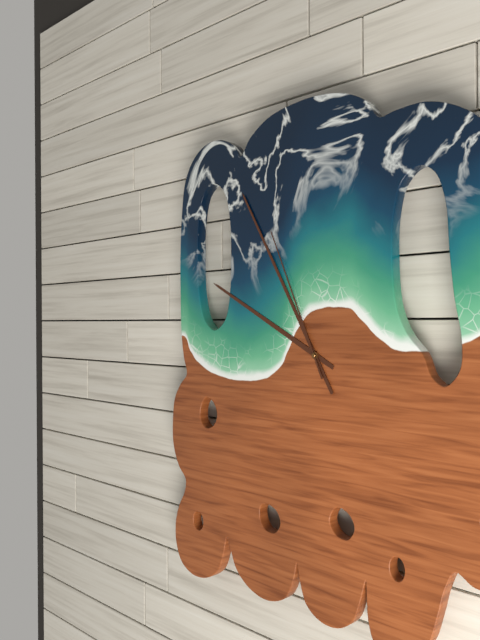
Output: **9:55:56**
